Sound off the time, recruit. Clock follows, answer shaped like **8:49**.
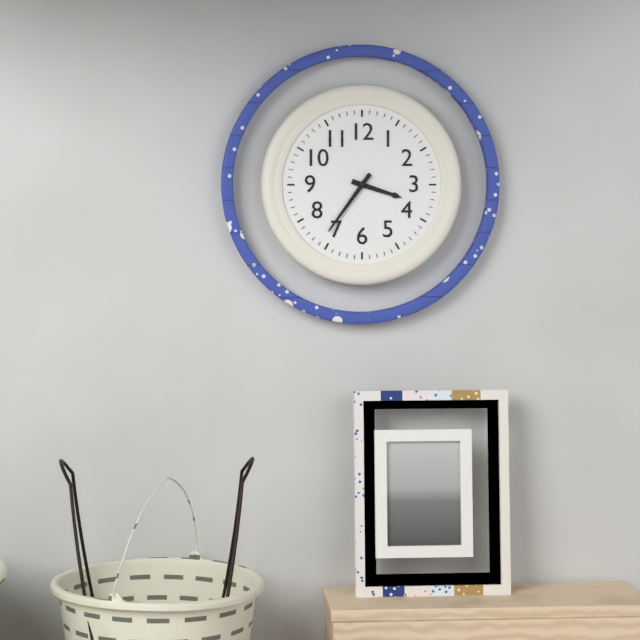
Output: **3:36**
